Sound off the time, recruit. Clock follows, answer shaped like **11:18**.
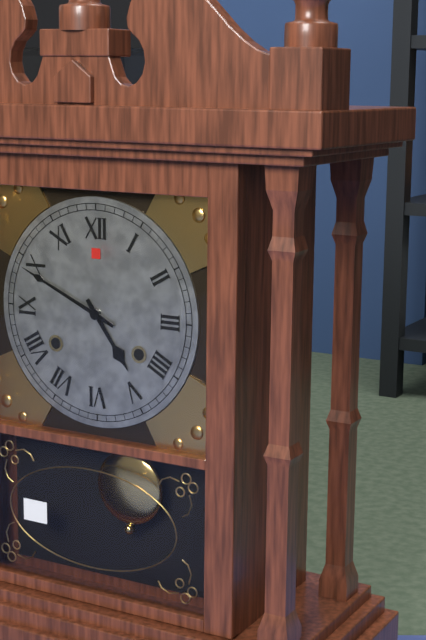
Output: **4:49**
